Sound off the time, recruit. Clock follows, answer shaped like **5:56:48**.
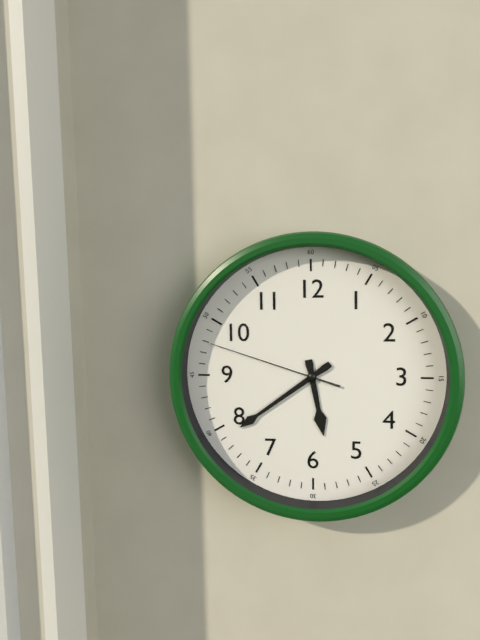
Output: **5:39:48**
